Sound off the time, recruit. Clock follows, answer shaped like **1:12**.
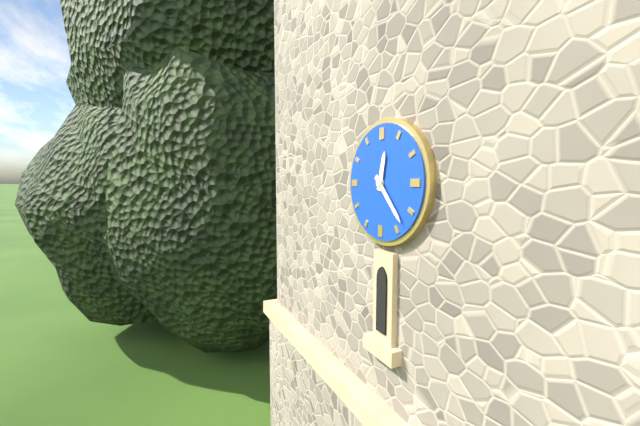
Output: **12:23**
